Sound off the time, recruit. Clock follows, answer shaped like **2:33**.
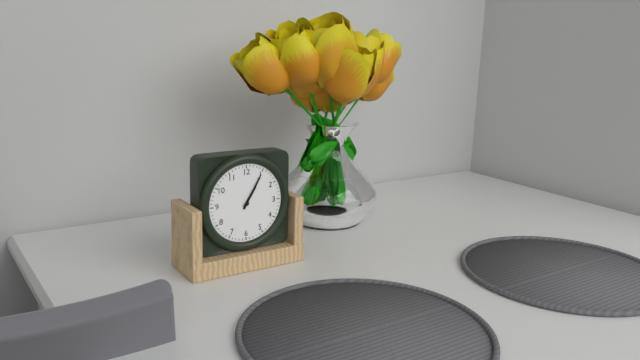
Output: **1:05**
